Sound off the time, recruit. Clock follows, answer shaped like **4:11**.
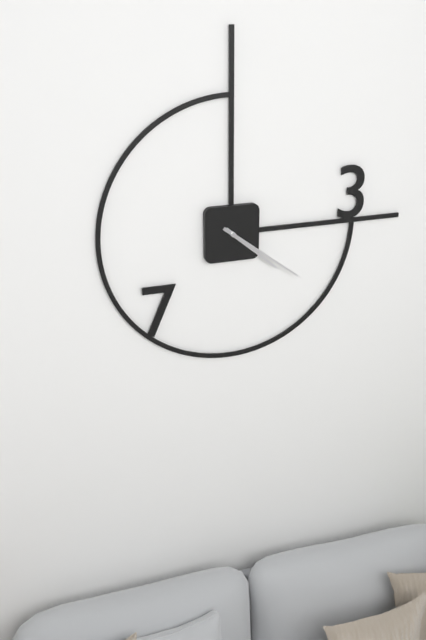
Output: **4:21**
